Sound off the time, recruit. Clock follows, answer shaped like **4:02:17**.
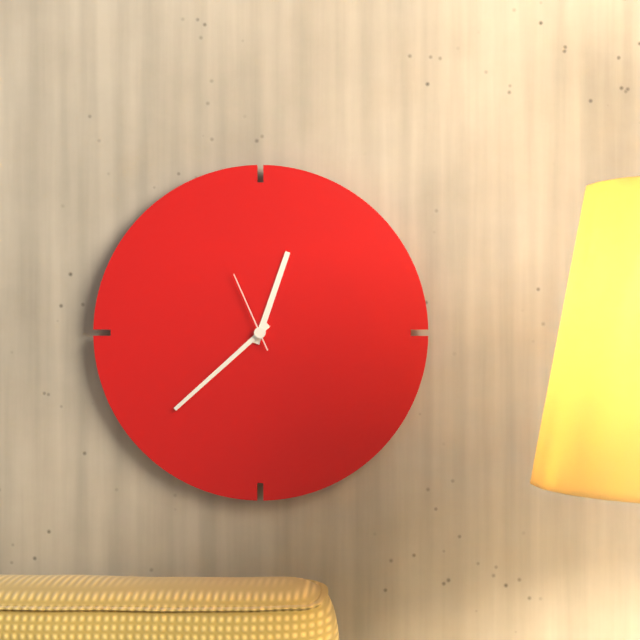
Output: **12:38:56**
